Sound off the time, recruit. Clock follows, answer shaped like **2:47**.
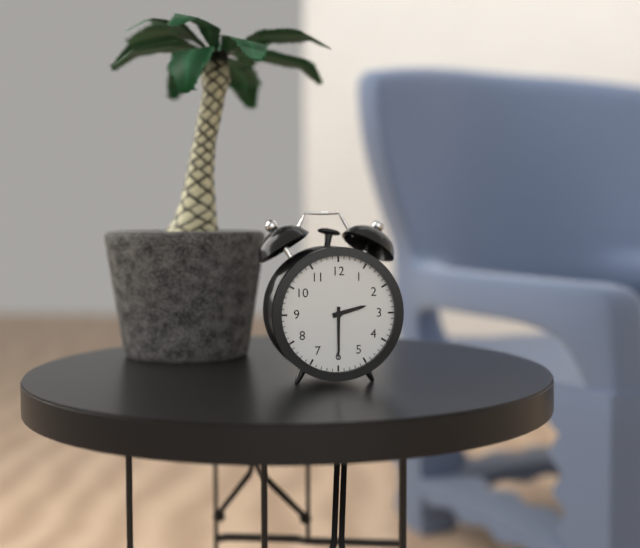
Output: **2:30**
